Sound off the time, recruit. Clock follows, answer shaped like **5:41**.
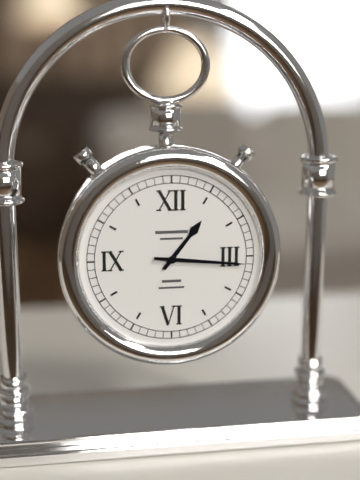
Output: **1:16**
